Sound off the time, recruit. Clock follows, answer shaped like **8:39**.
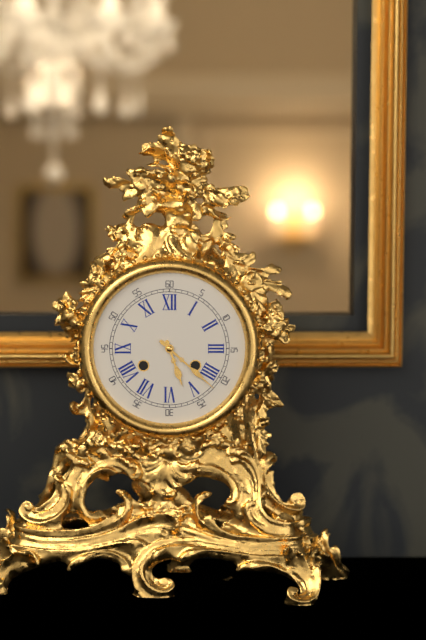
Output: **5:22**
